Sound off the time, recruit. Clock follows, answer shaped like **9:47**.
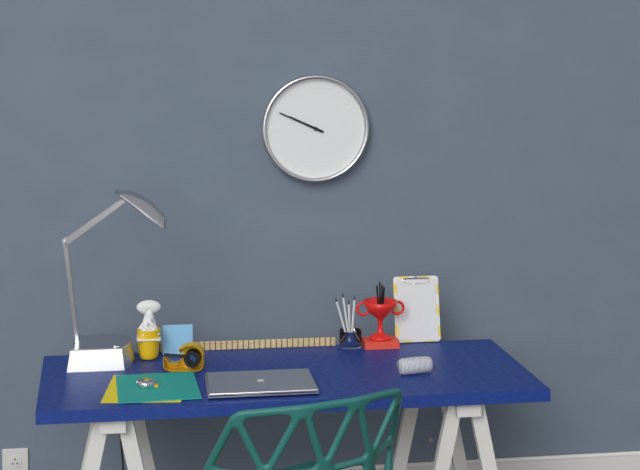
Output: **9:49**
